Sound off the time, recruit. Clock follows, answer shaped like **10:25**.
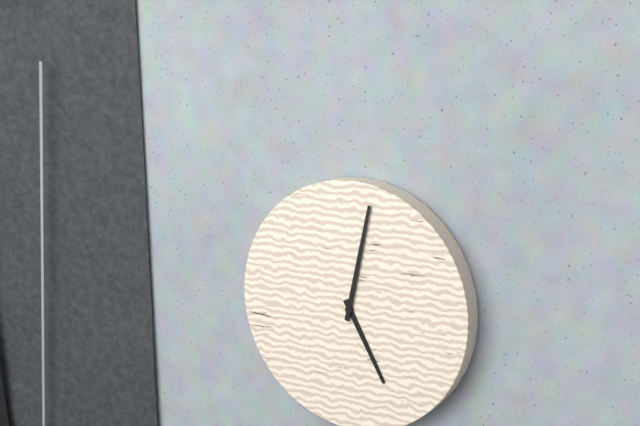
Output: **5:02**
